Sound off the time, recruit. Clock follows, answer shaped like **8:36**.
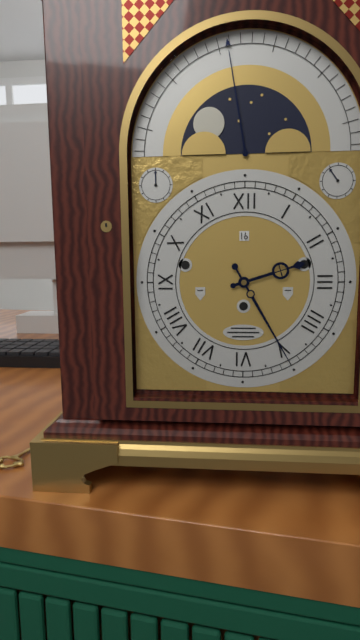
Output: **2:25**
